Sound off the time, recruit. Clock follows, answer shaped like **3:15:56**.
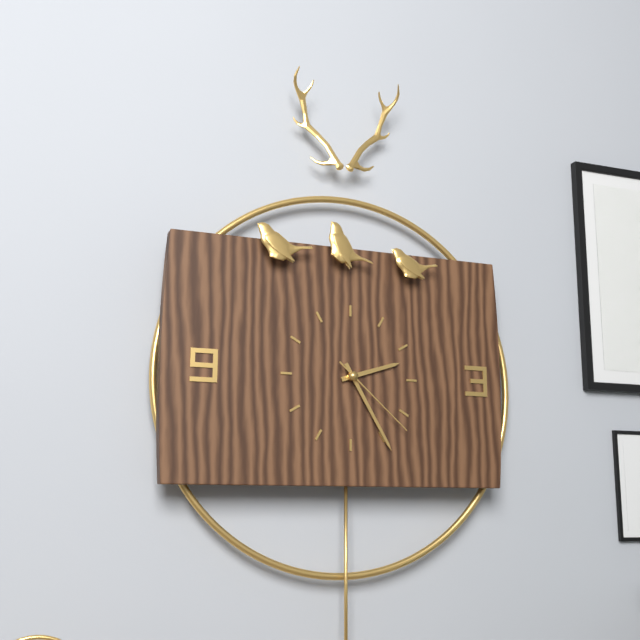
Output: **2:25:22**
